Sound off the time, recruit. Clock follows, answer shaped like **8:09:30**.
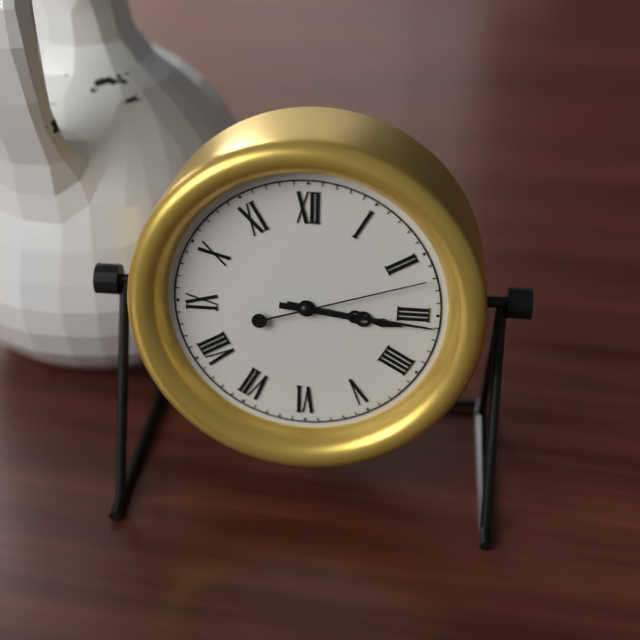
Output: **3:16:12**
